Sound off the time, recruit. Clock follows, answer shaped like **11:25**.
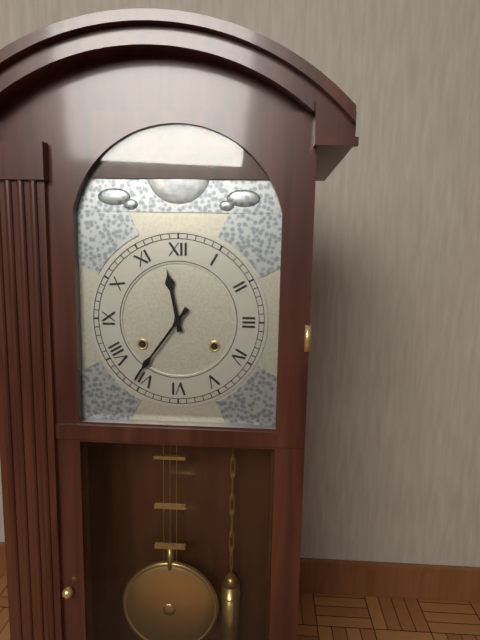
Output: **11:36**
